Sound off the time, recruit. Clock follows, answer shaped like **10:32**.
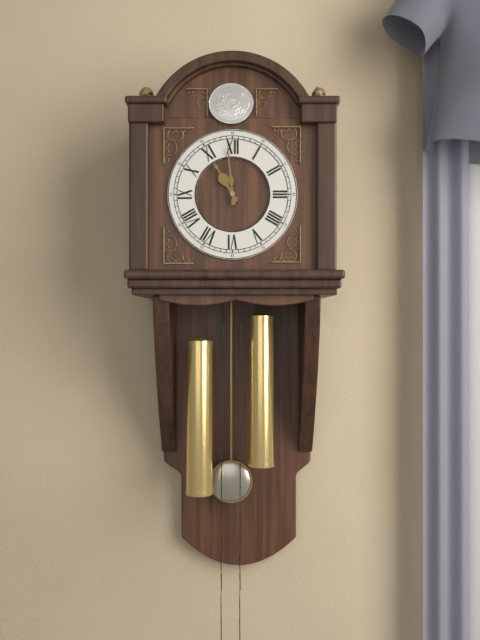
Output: **10:59**
